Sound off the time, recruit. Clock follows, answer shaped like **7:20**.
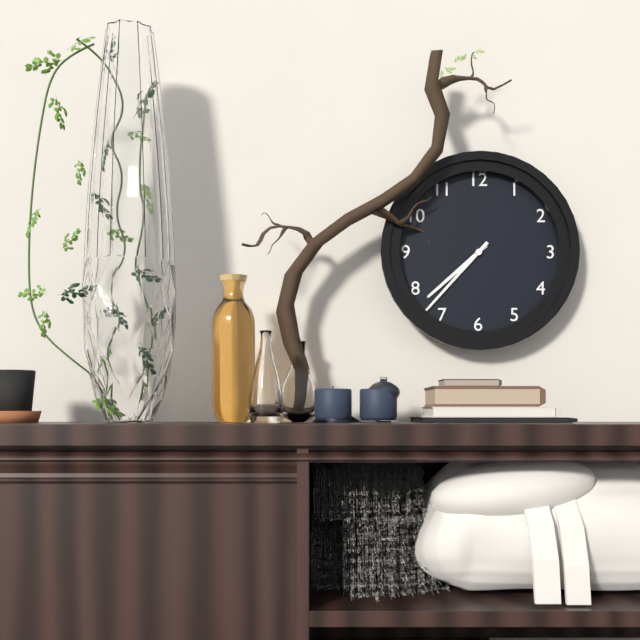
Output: **7:37**
